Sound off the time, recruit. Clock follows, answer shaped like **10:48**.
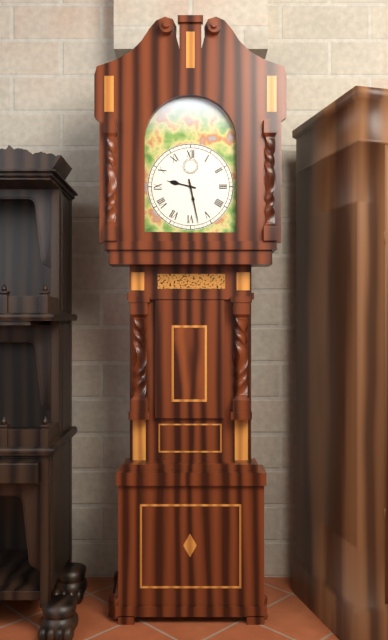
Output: **9:28**
